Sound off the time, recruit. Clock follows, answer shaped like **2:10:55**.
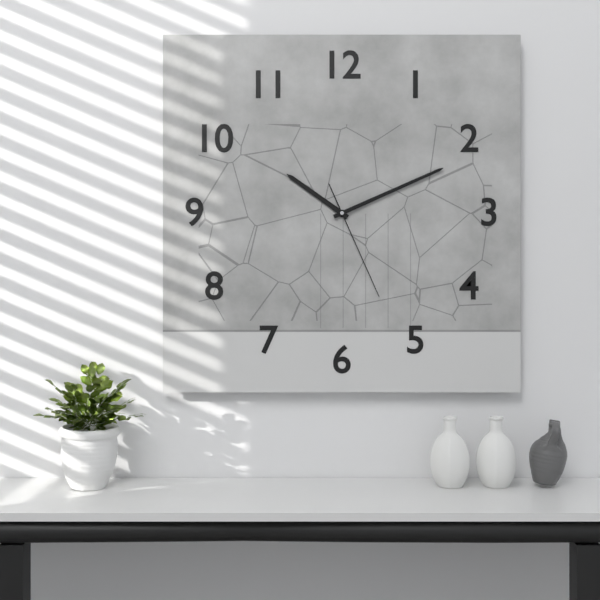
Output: **10:11:26**
